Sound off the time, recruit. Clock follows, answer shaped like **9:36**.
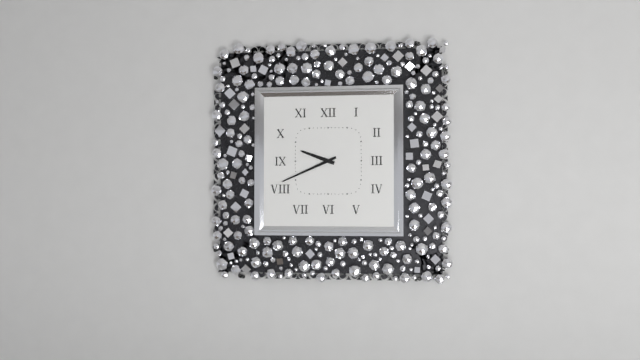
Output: **9:41**
